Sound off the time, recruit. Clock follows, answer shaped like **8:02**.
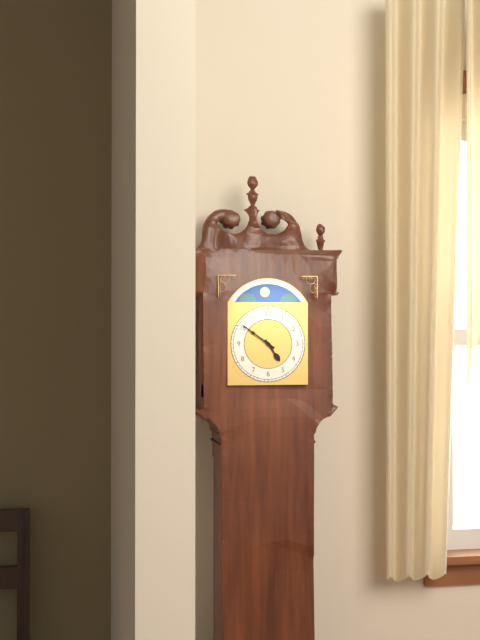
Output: **4:51**
